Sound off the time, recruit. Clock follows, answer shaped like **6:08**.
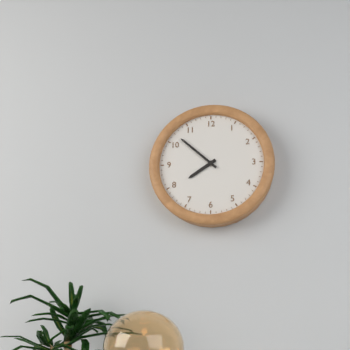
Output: **7:52**
